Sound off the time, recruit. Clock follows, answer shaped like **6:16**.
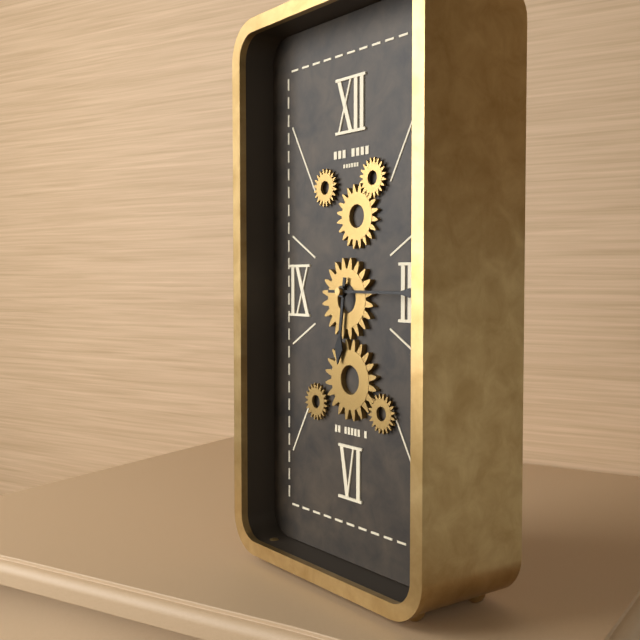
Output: **6:15**
